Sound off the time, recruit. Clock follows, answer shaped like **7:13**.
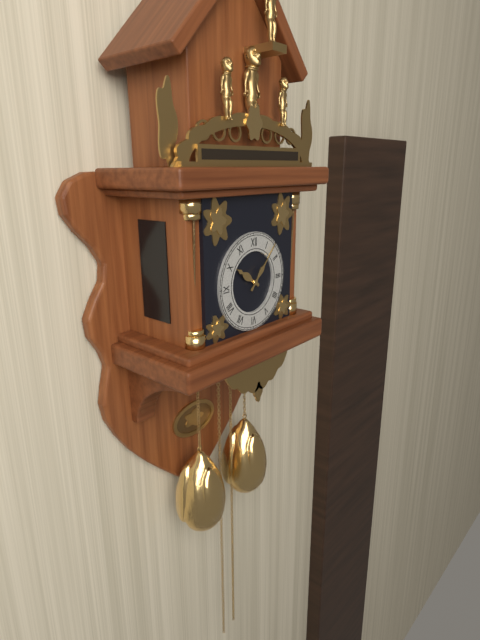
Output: **10:07**
